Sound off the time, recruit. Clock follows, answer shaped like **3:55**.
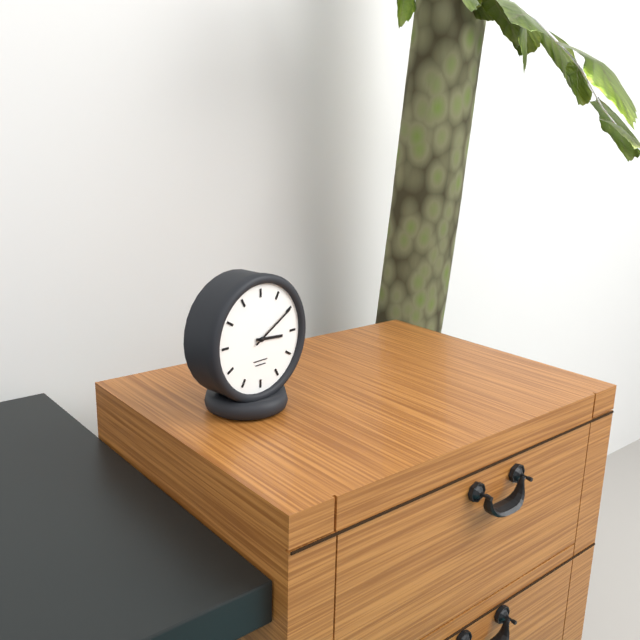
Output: **3:10**
